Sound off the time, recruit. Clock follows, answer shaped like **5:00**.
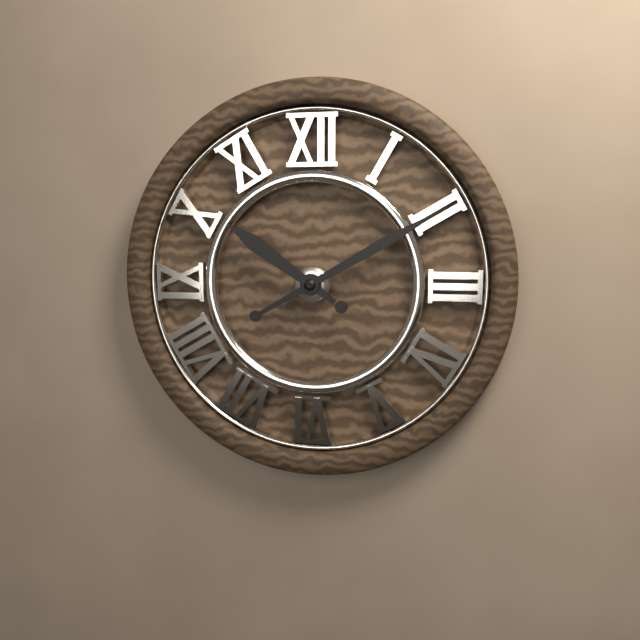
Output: **10:10**
